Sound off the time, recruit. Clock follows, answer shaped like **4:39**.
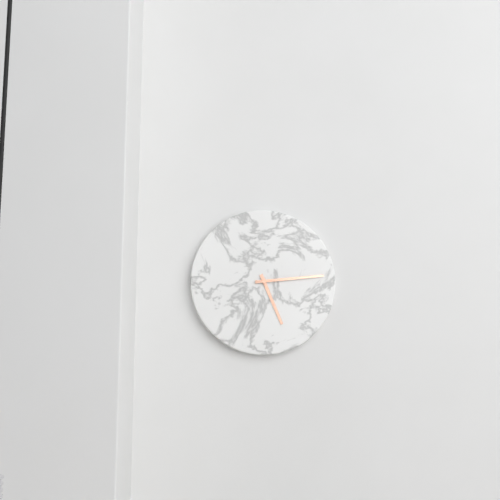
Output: **5:14**
